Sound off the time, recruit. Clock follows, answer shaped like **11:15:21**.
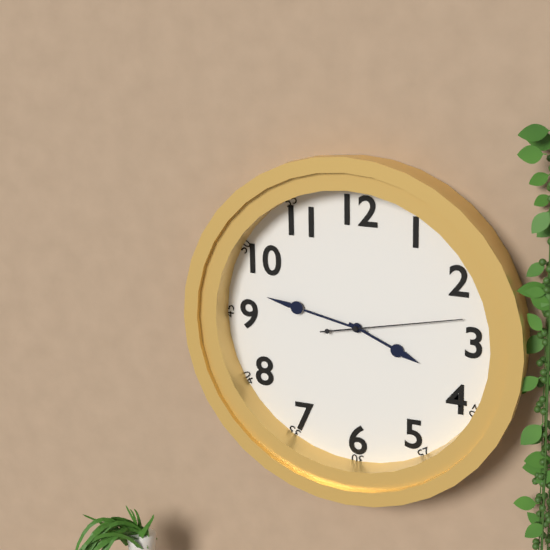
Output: **3:47:13**
